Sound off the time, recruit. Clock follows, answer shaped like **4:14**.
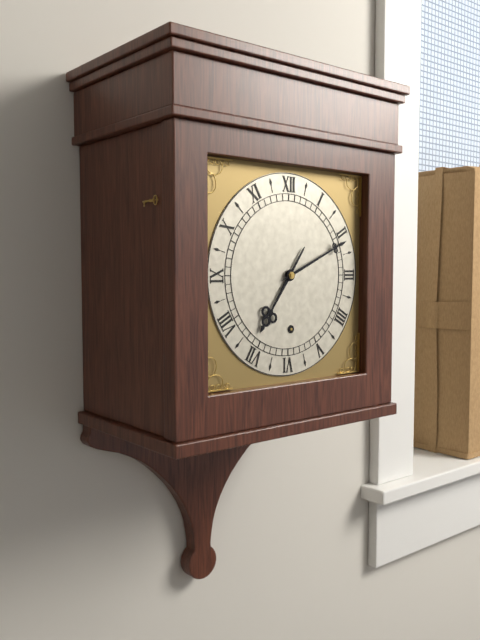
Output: **7:11**
